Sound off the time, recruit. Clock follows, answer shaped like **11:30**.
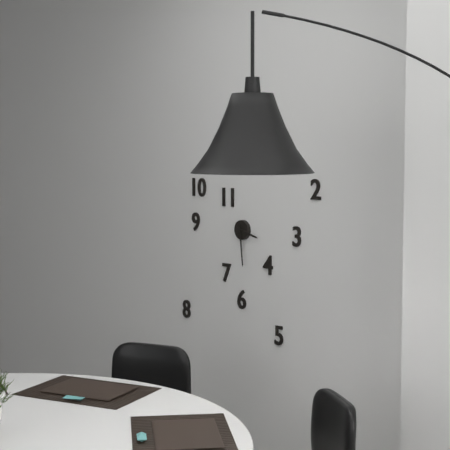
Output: **3:29**
